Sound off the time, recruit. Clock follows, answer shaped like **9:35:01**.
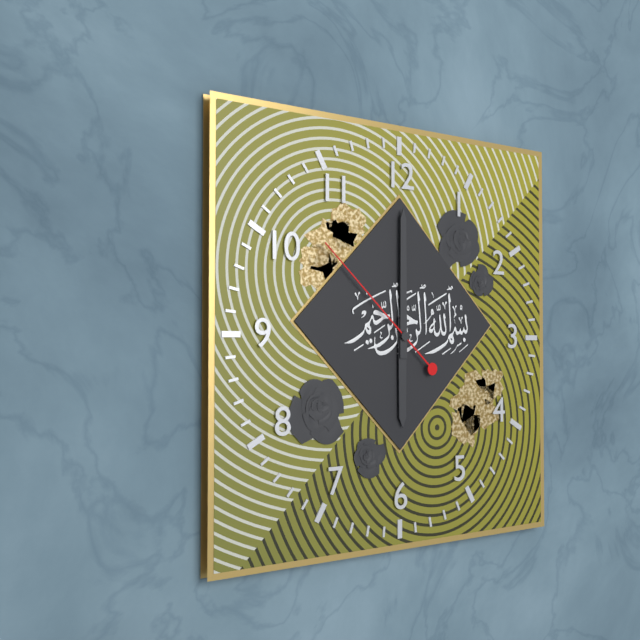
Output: **6:00:52**
